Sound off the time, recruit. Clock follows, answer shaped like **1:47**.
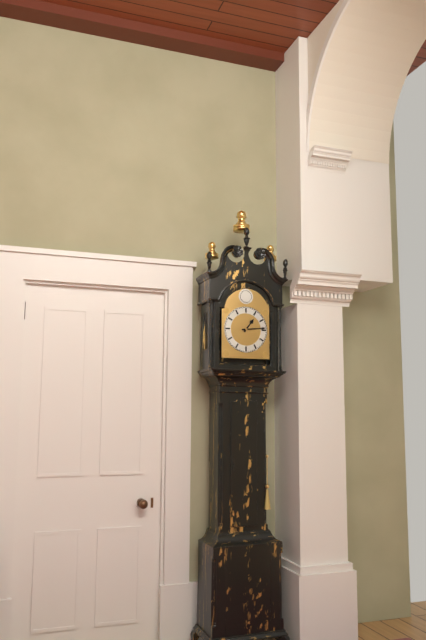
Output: **1:14**
